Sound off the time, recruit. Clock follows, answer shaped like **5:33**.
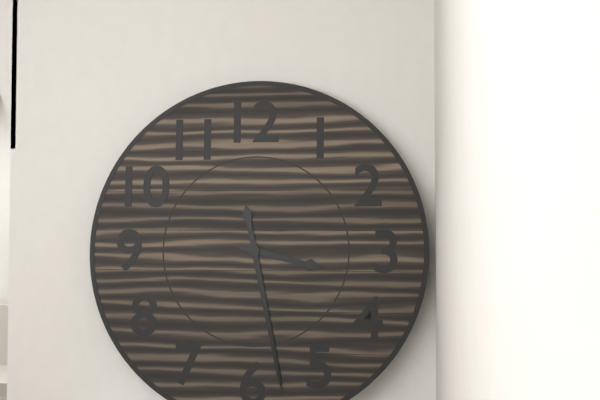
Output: **3:28**
